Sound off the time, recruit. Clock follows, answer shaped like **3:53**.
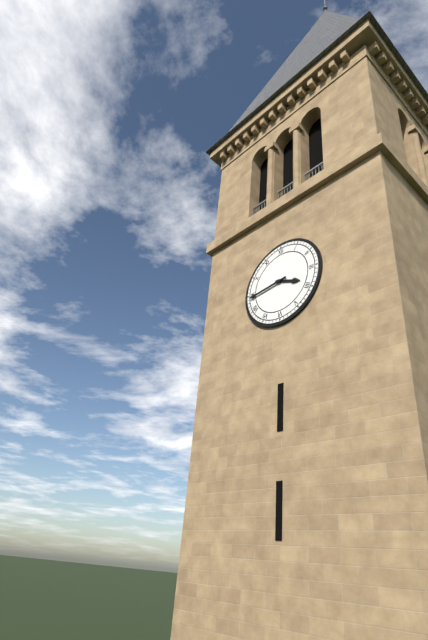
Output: **3:44**
